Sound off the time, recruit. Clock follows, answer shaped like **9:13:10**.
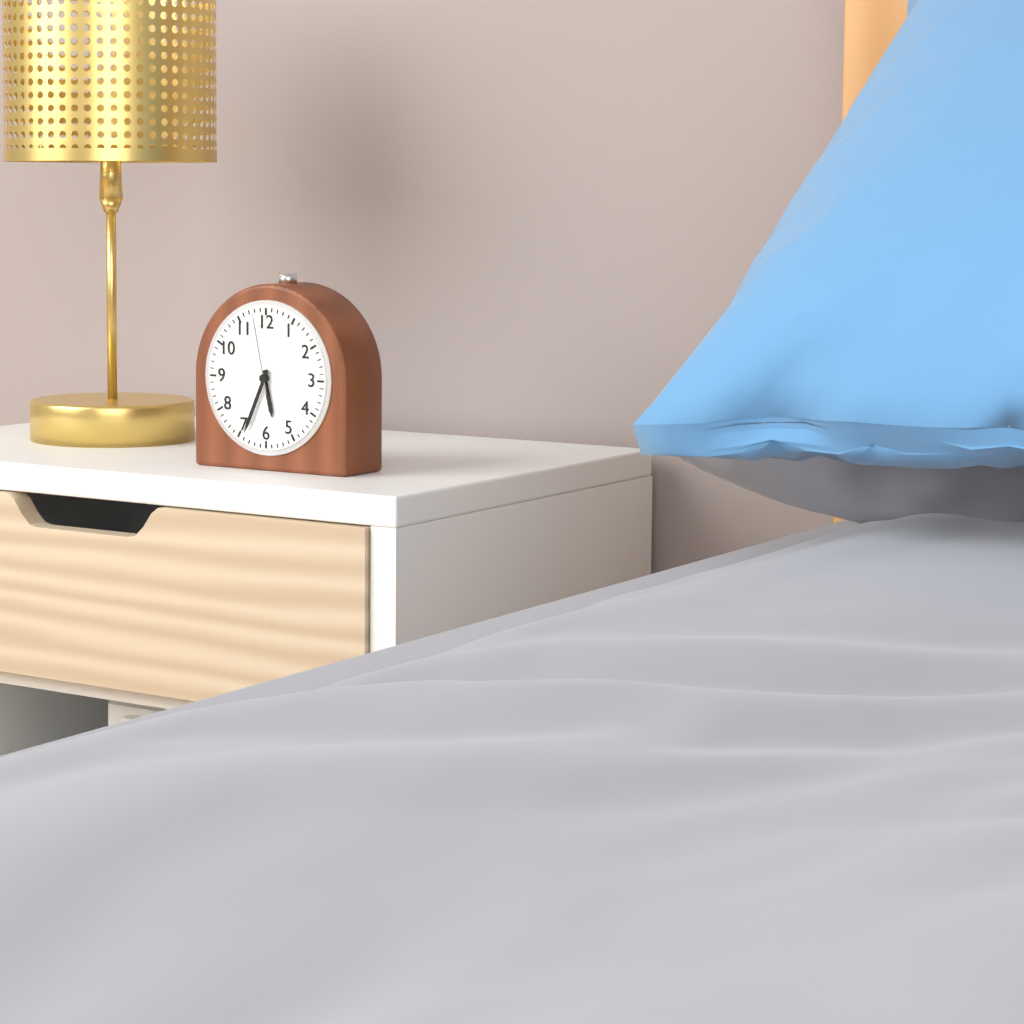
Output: **5:34:58**
